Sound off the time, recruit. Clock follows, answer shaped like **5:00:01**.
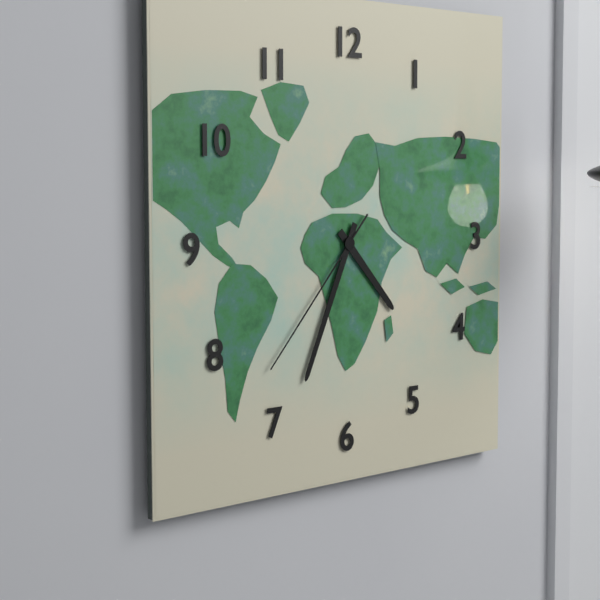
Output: **4:34:37**
